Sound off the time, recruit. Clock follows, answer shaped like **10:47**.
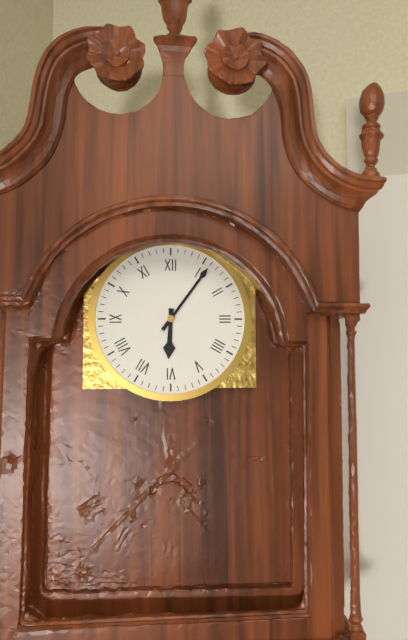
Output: **6:06**
